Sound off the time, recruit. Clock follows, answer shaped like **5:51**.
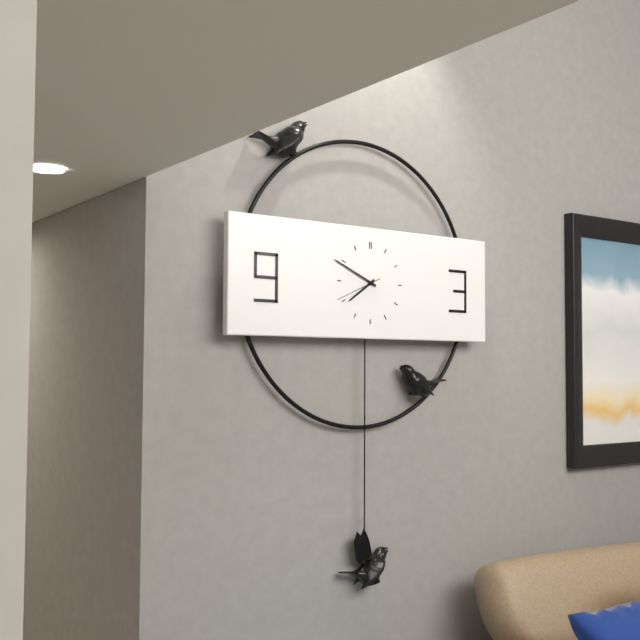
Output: **7:49**
